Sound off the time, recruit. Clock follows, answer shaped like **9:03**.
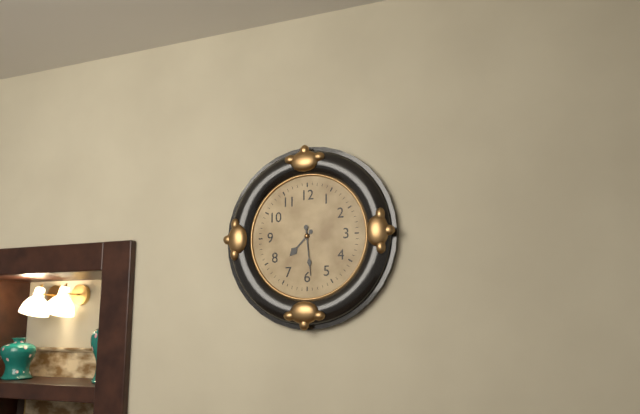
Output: **7:29**
